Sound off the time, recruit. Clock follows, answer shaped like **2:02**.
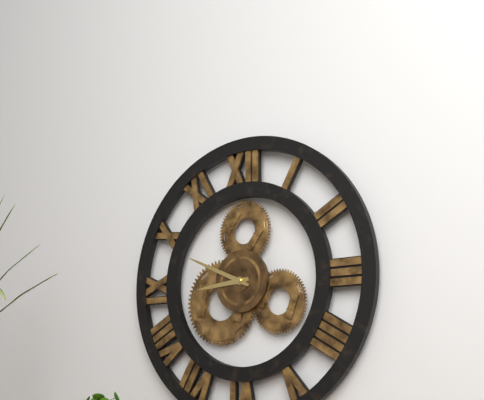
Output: **8:49**
